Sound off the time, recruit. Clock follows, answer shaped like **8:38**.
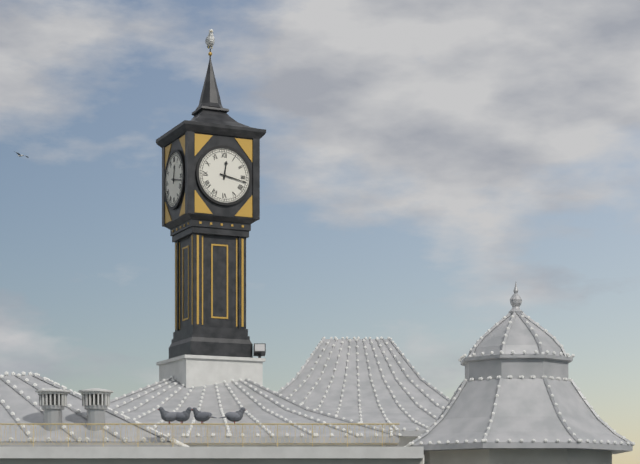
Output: **12:17**
